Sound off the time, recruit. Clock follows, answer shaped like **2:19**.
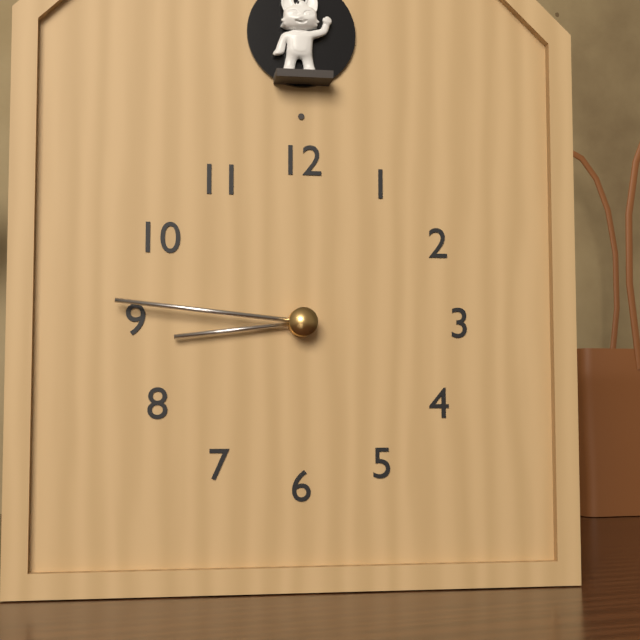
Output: **8:46**
